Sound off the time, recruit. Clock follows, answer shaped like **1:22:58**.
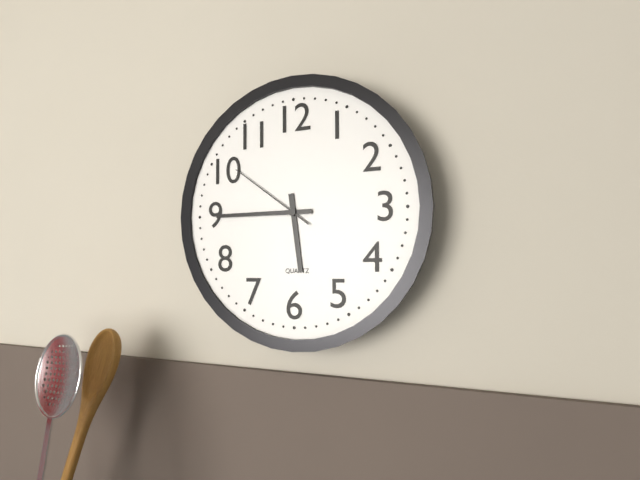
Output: **5:45:51**
